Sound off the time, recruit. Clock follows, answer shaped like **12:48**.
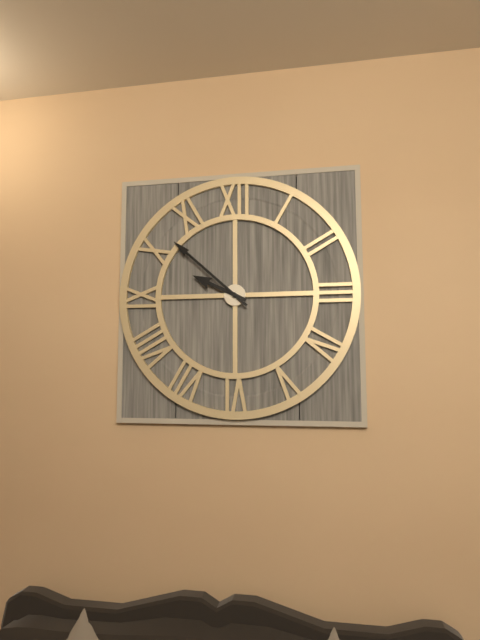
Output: **9:52**
